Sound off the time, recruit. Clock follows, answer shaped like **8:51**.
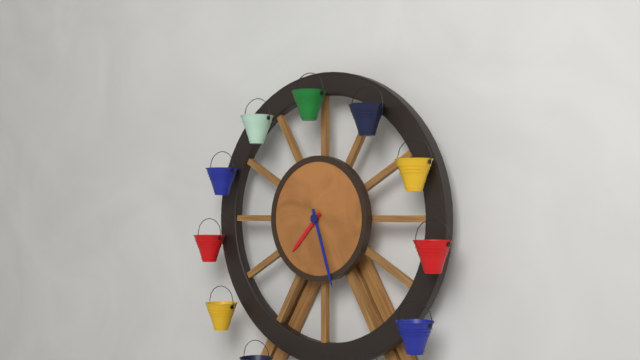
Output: **7:27**
